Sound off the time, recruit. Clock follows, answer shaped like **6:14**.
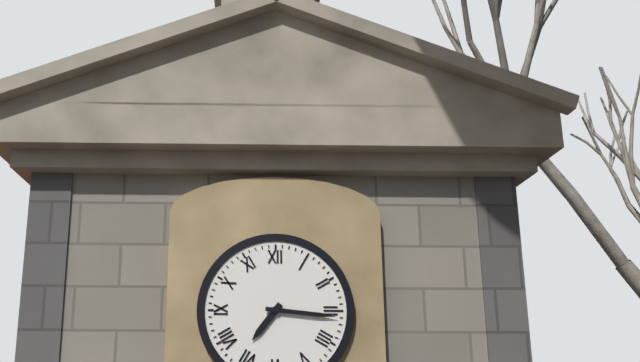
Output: **7:16**
